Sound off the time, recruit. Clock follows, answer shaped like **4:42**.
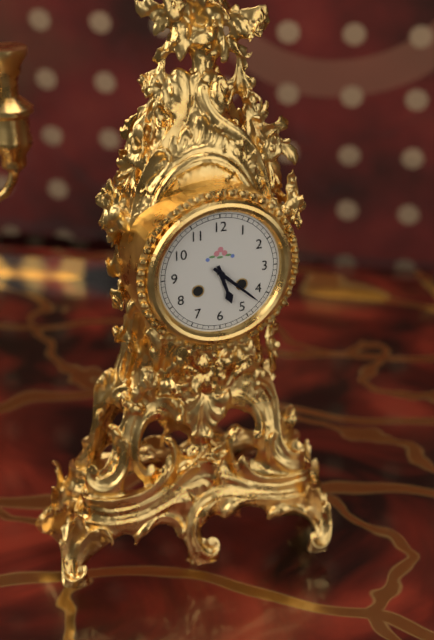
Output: **5:22**
